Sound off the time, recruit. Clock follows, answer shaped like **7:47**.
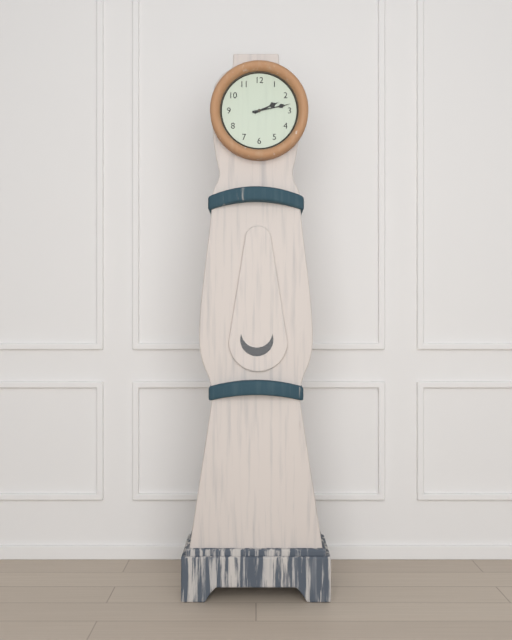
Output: **2:13**
